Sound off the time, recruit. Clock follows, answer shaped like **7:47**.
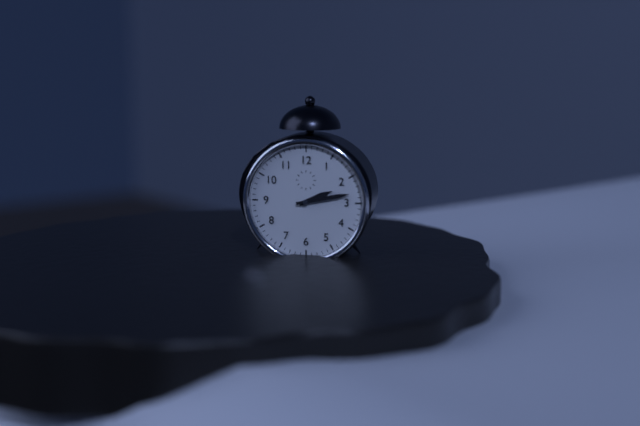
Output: **2:13**
